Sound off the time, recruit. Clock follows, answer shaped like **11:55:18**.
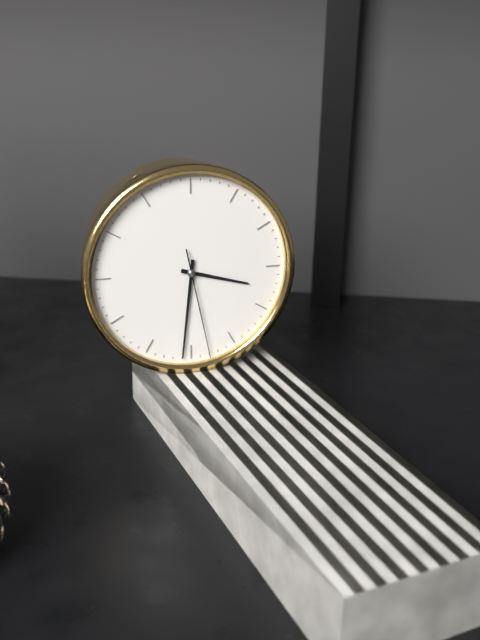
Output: **3:31:28**
